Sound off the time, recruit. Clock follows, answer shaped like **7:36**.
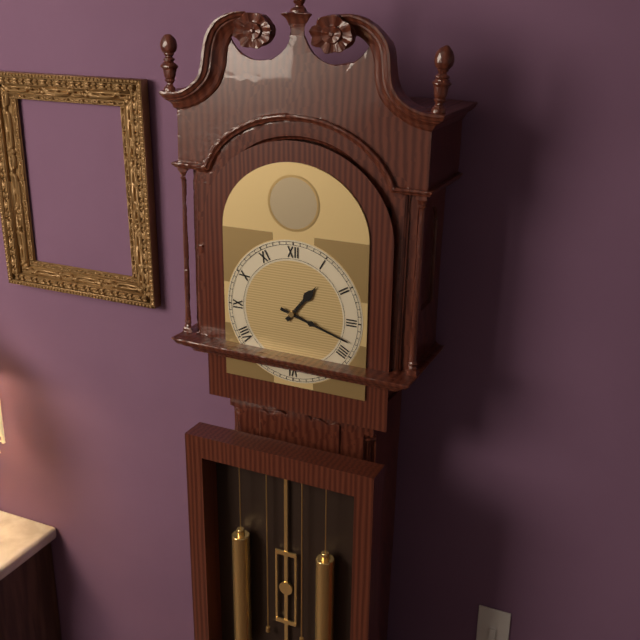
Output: **1:18**
